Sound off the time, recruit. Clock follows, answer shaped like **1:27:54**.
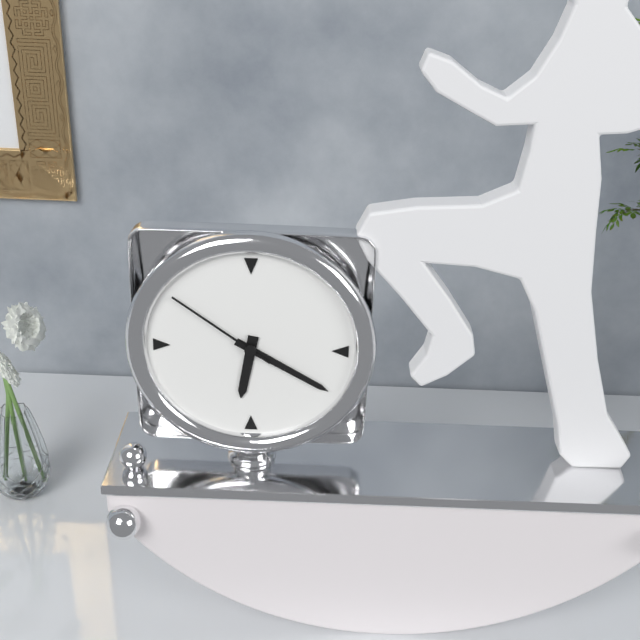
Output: **6:20:51**
